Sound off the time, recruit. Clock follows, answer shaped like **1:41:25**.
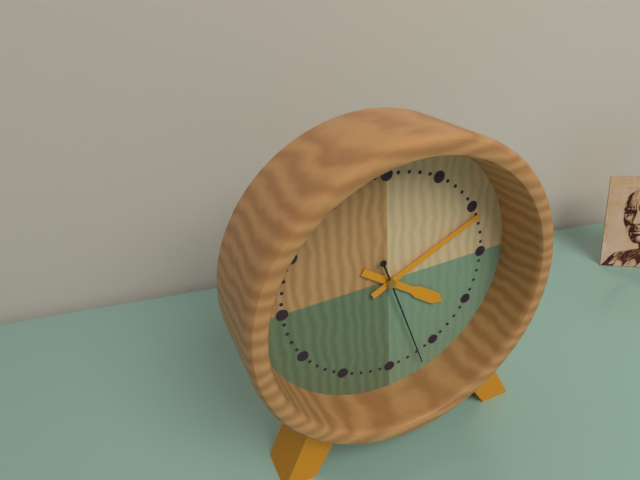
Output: **4:11:27**
